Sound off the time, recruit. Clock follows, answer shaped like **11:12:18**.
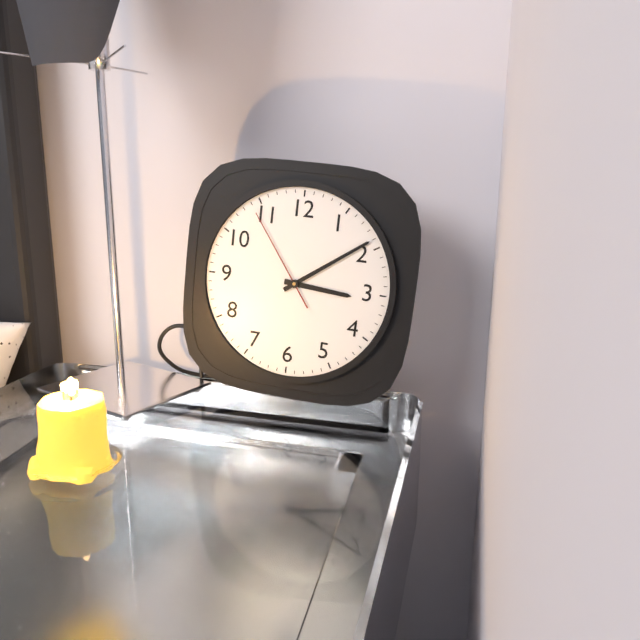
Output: **3:09:54**
